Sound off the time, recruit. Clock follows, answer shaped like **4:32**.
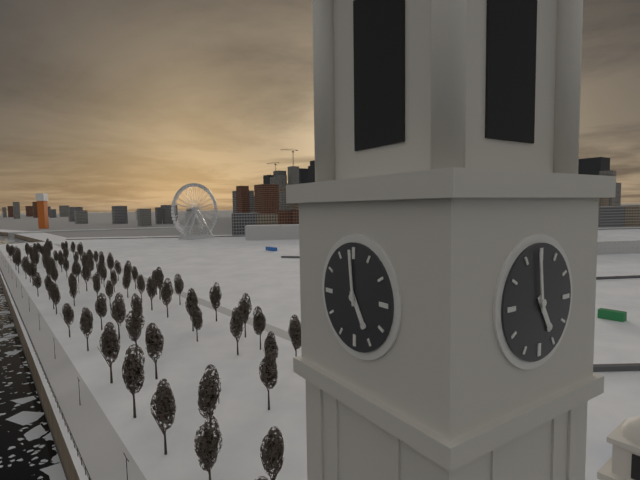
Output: **4:59**
